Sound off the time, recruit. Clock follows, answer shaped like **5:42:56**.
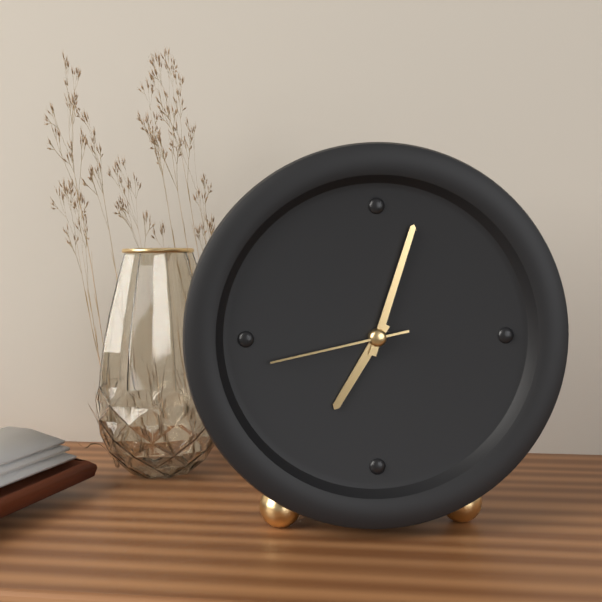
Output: **7:03:43**
